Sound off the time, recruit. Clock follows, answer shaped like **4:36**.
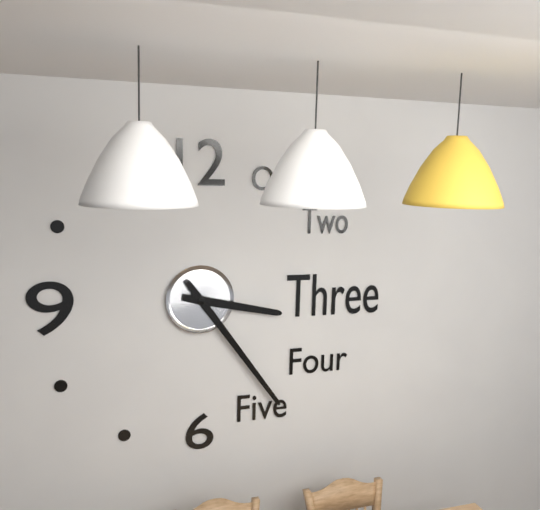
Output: **3:24**
